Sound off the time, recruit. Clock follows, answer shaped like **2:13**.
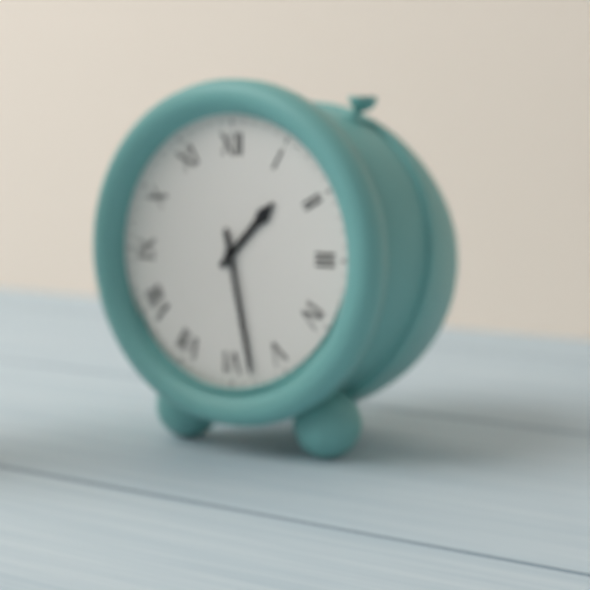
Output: **1:28**
